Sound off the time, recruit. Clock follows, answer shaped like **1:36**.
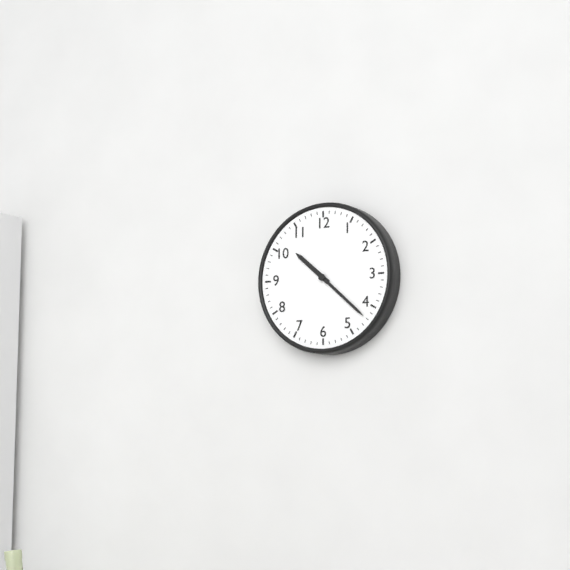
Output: **10:22**
